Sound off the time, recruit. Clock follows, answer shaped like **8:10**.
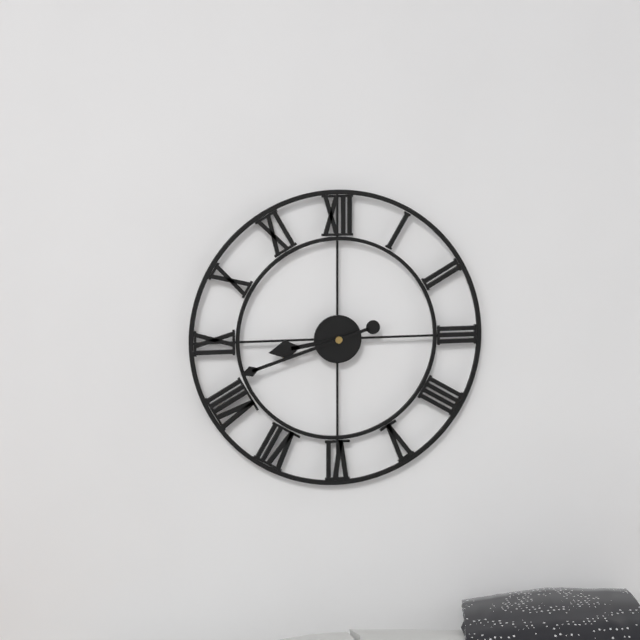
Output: **8:42**
